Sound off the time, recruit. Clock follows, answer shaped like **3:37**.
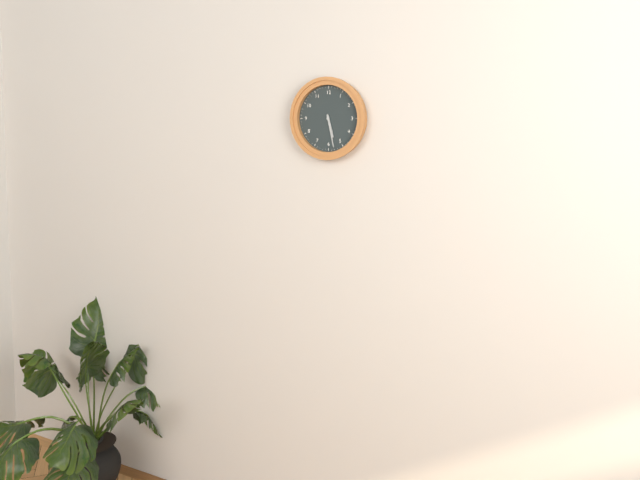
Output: **5:28**
